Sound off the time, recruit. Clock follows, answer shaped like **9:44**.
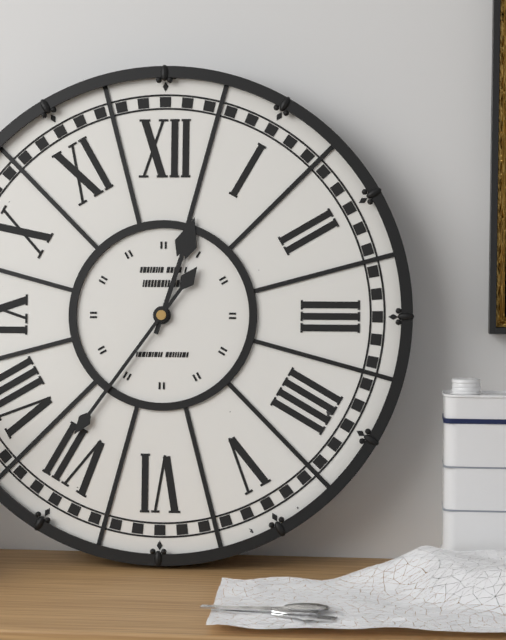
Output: **12:36**
